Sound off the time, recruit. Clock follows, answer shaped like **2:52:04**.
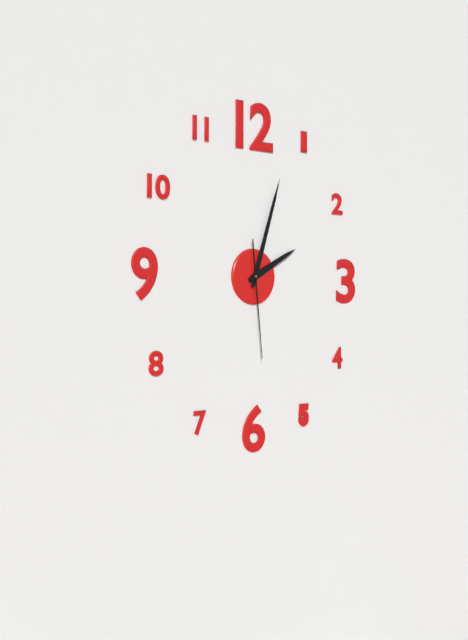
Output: **2:03:29**
